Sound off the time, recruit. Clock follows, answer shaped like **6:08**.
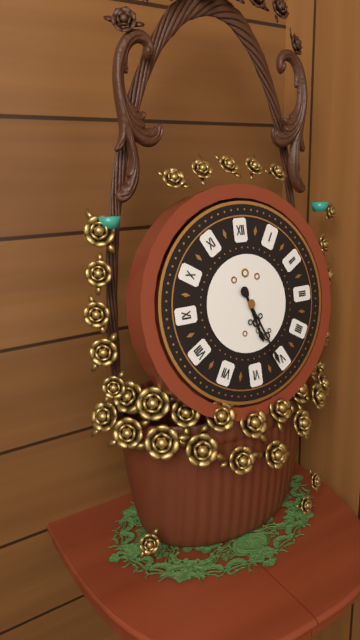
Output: **5:26**
